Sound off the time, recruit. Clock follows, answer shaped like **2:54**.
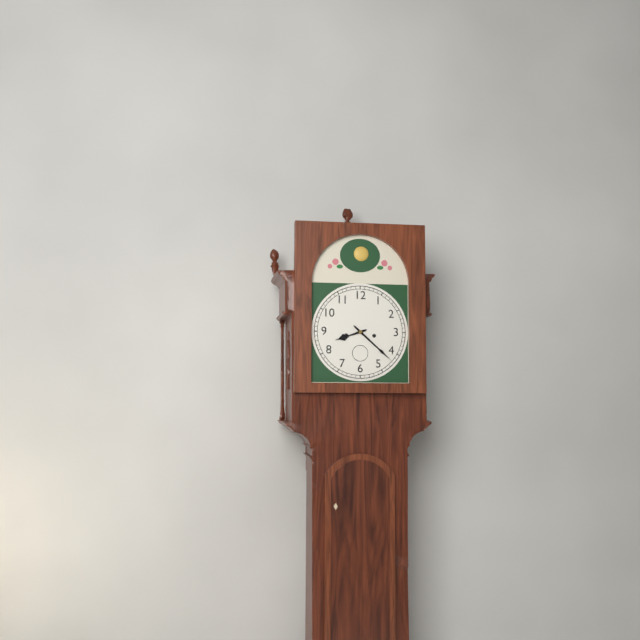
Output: **8:22**
